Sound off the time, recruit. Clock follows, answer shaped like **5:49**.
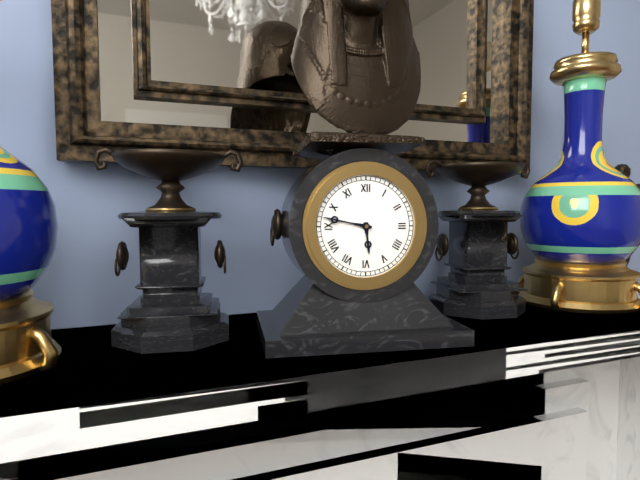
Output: **5:47**
